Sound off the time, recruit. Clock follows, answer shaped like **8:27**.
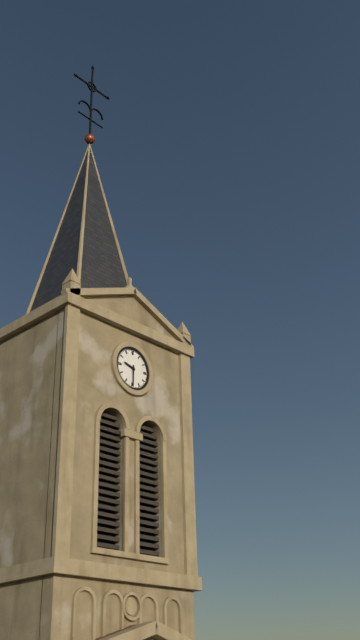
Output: **9:30**
